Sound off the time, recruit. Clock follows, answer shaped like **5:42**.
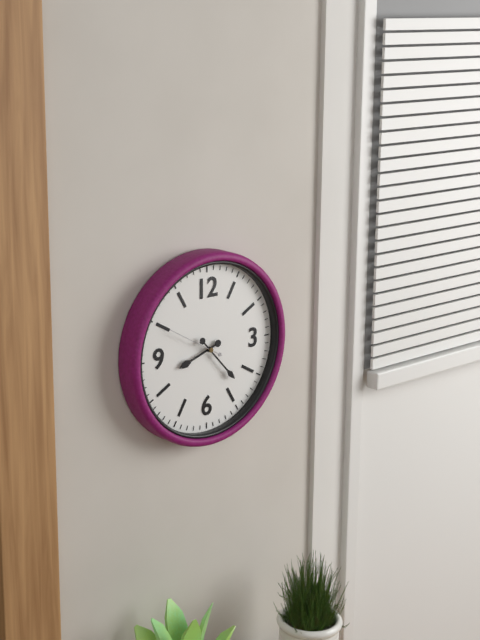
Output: **8:23**
